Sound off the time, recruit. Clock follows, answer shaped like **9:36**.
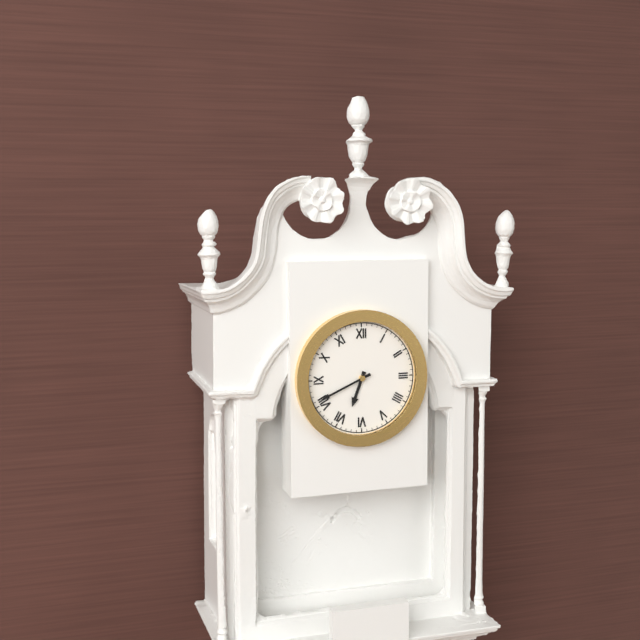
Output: **6:41**
